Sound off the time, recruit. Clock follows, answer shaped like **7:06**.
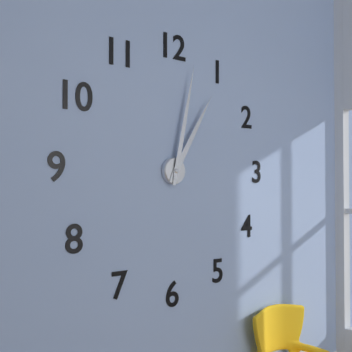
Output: **1:02**
